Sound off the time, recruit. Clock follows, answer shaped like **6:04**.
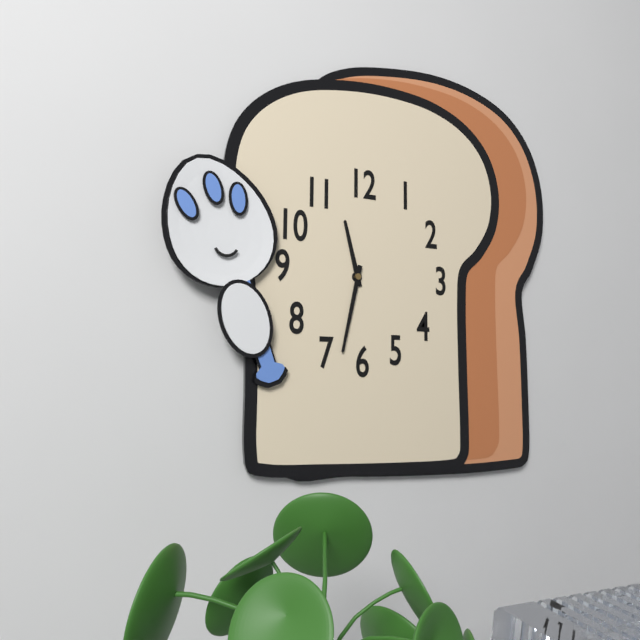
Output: **11:32**
